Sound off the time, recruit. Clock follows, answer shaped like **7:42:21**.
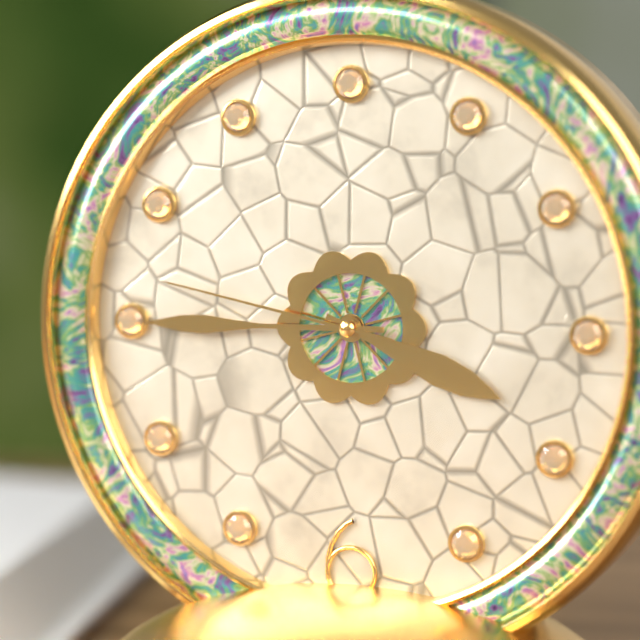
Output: **3:45:47**
